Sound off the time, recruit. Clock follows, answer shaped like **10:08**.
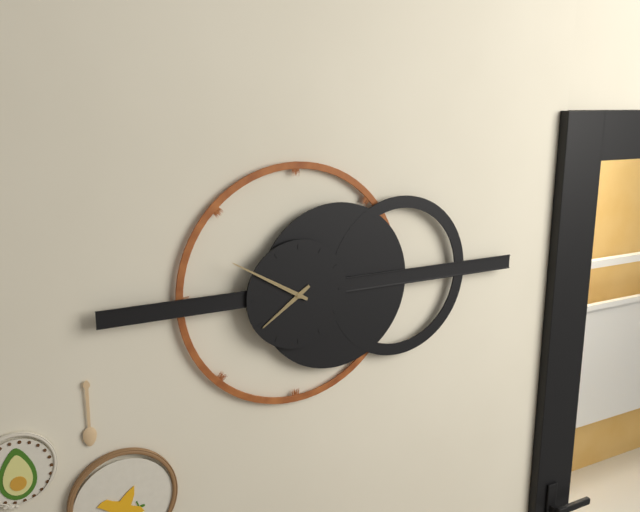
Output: **7:50**
